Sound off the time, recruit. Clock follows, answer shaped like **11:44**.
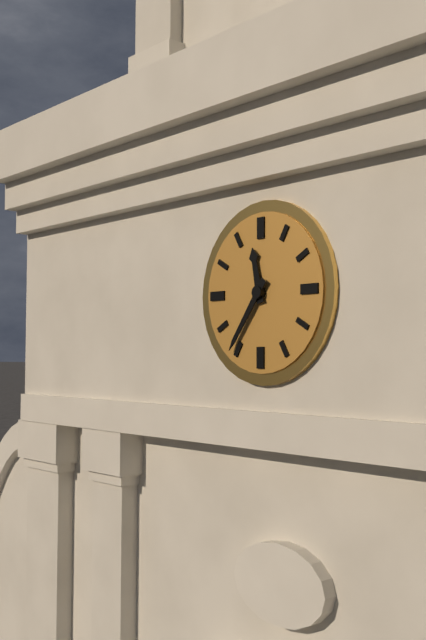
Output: **11:36**
